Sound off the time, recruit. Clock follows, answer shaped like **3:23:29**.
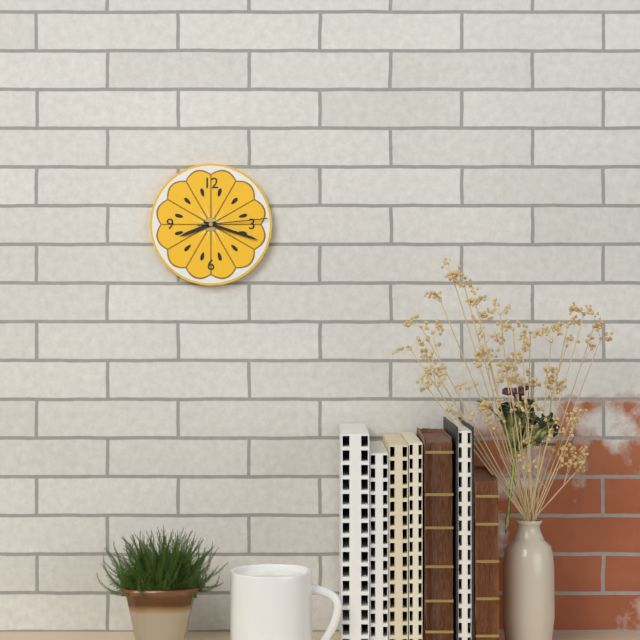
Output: **8:18:14**
